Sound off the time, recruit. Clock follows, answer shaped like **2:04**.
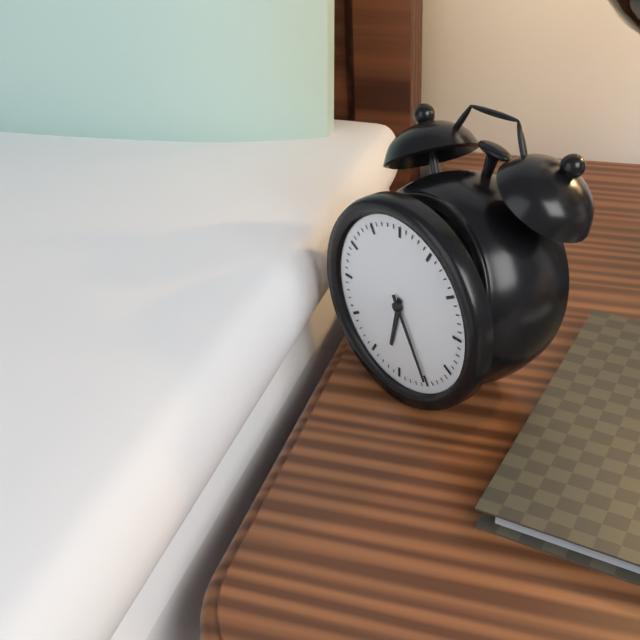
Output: **6:25**
